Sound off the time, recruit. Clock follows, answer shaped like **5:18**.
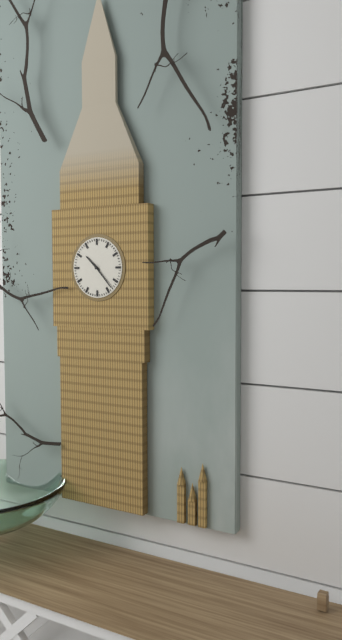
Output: **10:23**
